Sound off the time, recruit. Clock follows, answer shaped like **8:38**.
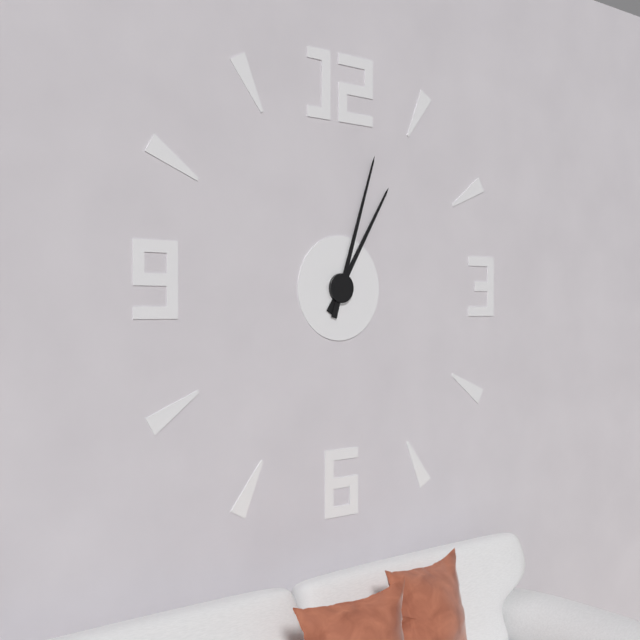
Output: **1:03**
